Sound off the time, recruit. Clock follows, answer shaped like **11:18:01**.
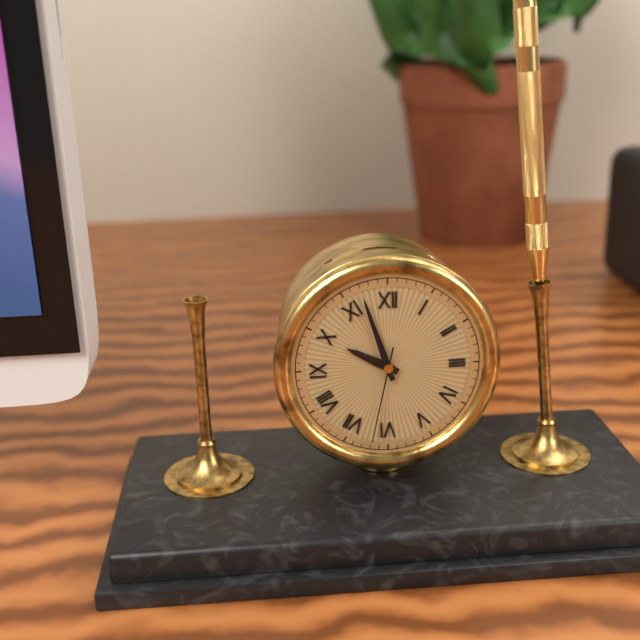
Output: **9:57:32**
